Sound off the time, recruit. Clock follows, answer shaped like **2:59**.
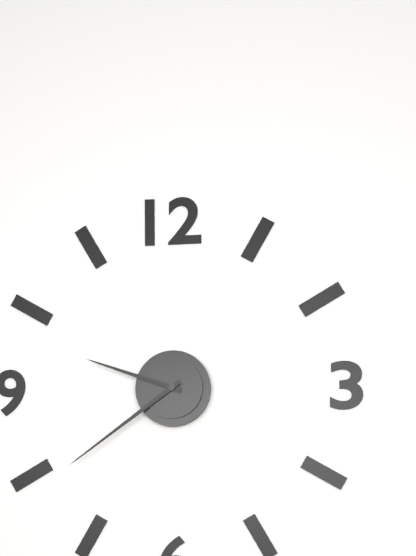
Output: **9:39**
